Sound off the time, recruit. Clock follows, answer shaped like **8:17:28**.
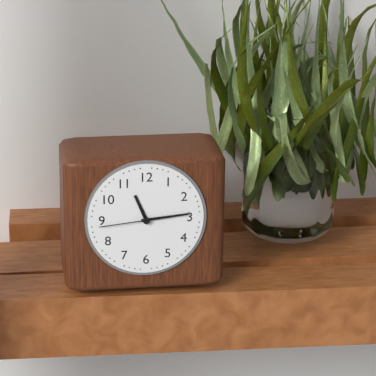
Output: **11:14:44**
